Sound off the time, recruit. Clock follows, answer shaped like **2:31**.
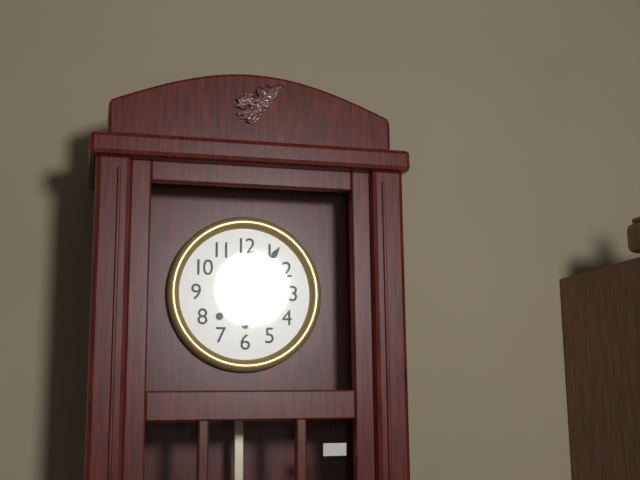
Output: **2:06**
